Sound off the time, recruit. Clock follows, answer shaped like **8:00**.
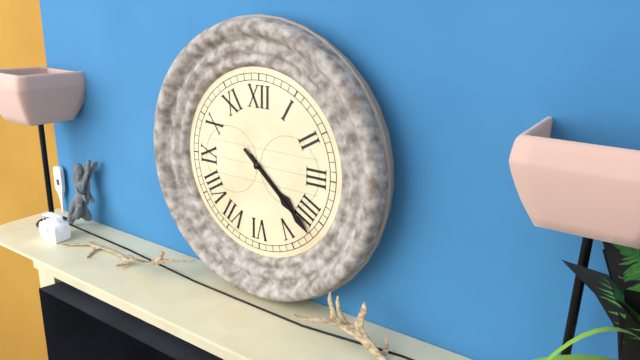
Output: **4:22**
